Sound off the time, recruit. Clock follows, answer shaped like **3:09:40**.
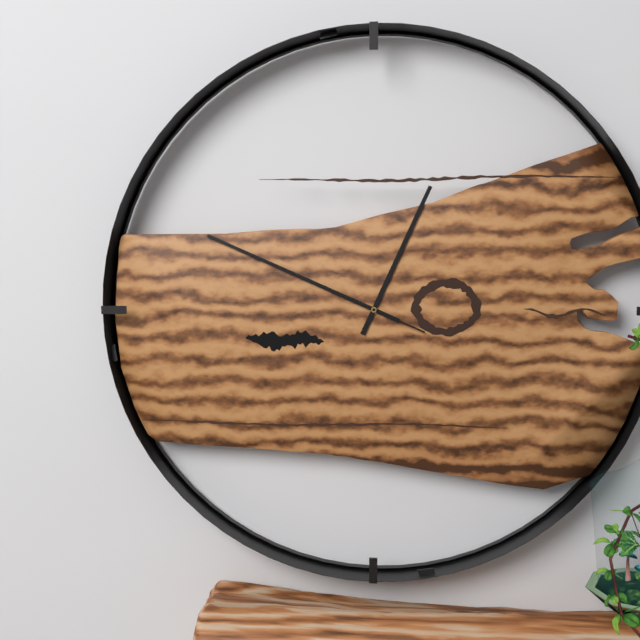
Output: **12:49:49**
